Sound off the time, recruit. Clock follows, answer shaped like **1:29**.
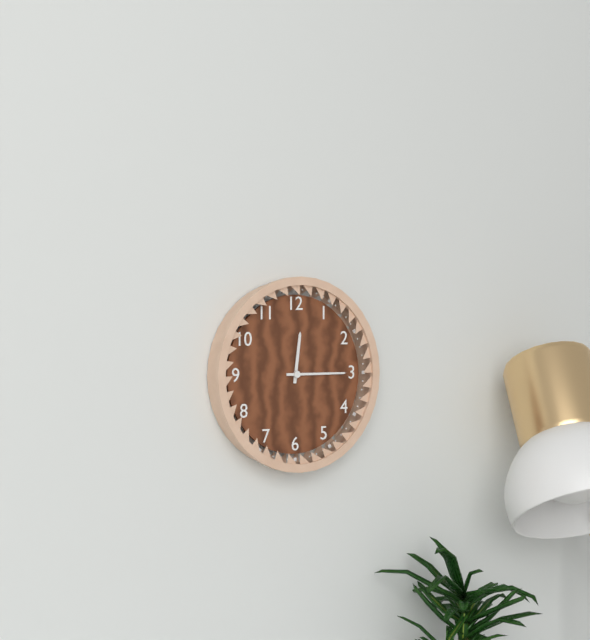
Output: **12:15**
